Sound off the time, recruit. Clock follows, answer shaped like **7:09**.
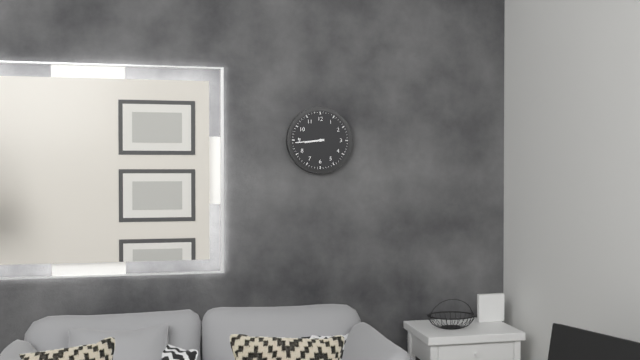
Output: **8:44**
